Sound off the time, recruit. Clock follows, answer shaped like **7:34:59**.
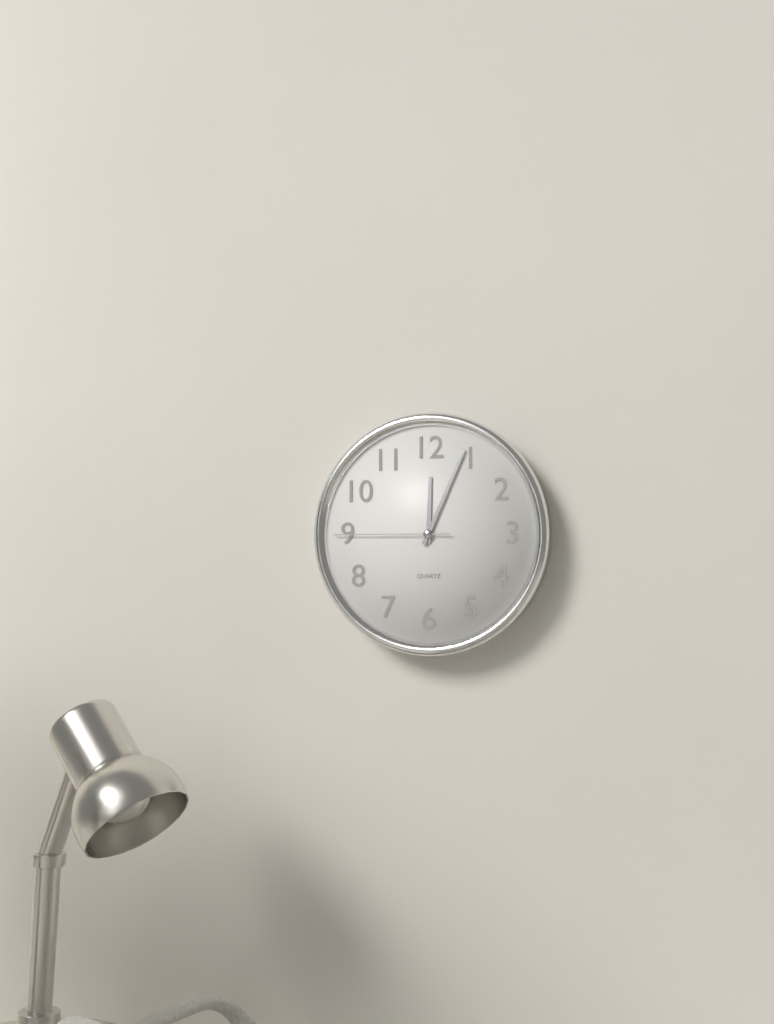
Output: **12:04:45**
